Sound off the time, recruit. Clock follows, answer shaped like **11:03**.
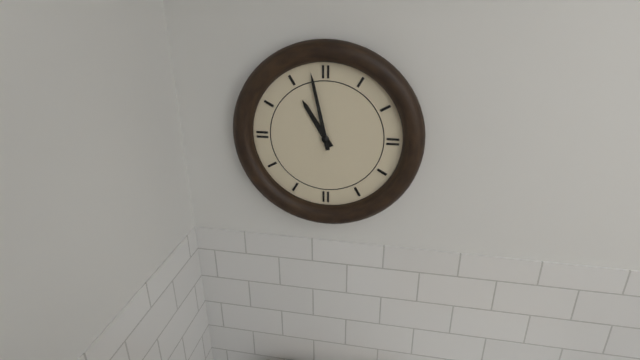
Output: **10:58**
